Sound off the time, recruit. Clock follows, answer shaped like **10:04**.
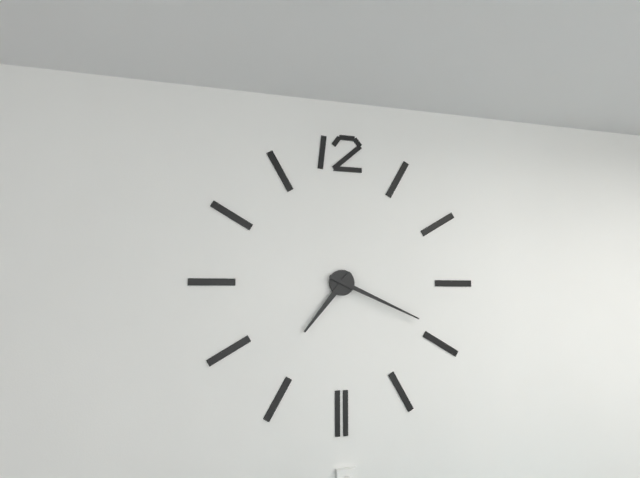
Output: **7:19**
